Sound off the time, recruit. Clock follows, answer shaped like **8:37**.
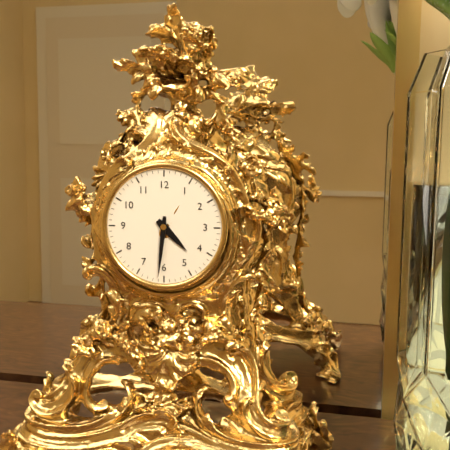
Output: **4:31**
